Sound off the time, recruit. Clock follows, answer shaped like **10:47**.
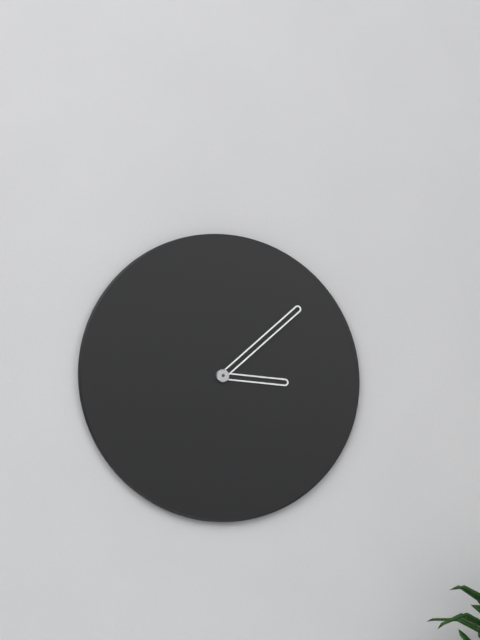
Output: **3:08**
